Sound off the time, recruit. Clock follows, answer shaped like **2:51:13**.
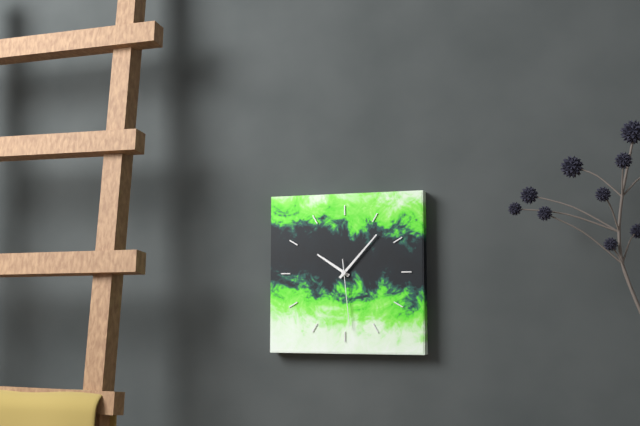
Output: **10:07:29**
